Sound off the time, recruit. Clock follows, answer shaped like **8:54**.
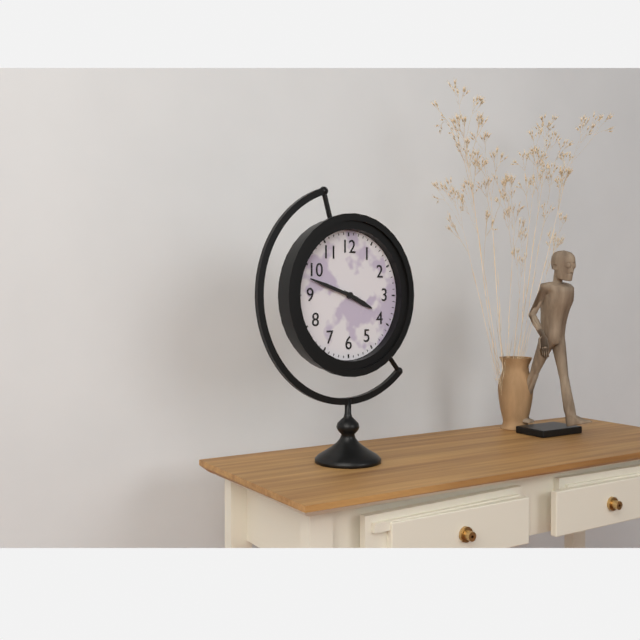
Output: **3:48**
